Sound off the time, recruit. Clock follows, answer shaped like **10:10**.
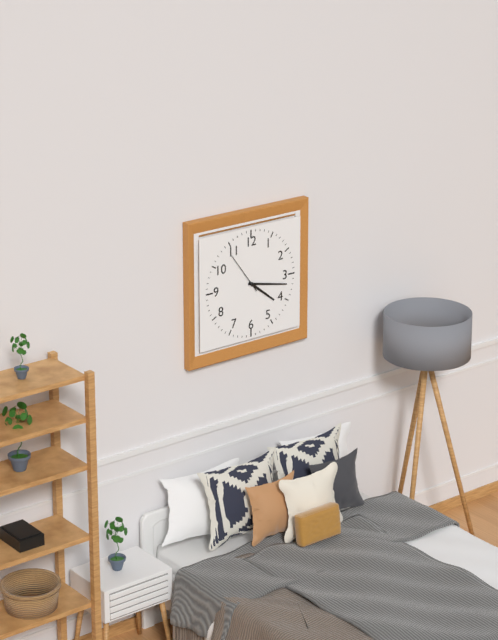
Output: **4:17**
